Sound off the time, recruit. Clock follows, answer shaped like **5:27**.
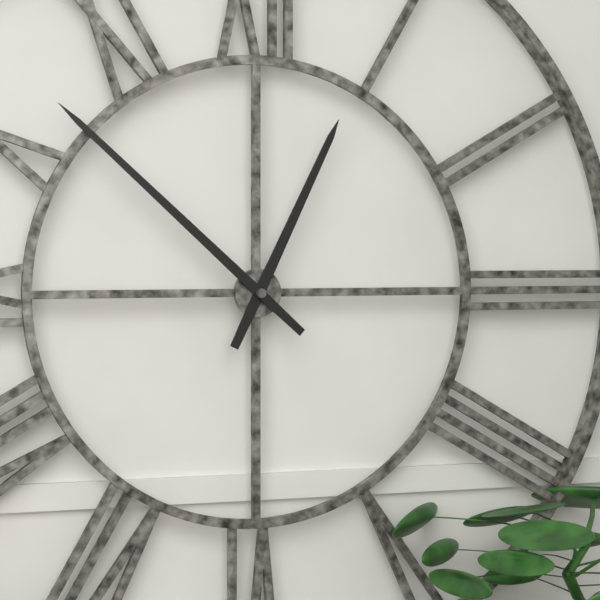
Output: **12:52**
